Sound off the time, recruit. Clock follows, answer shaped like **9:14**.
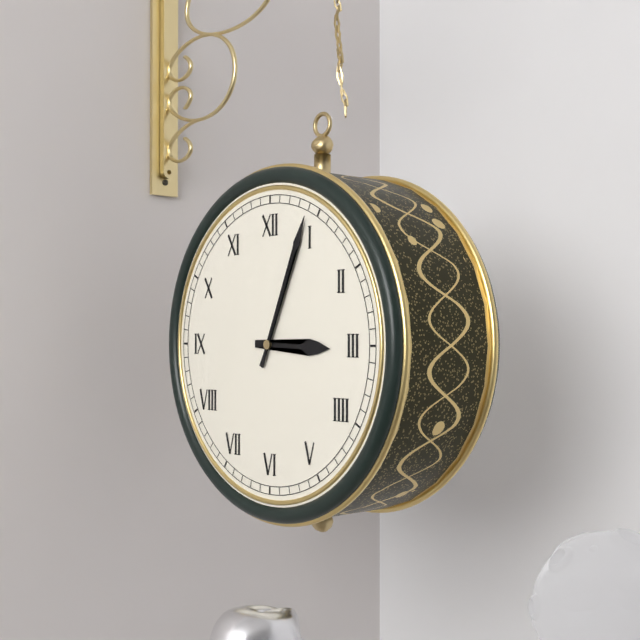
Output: **3:04**
